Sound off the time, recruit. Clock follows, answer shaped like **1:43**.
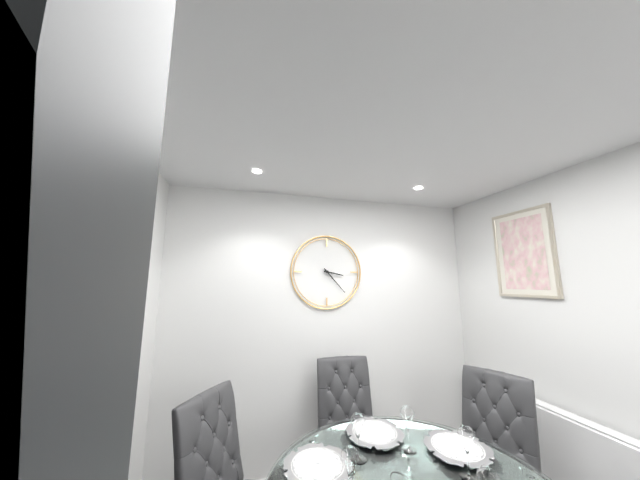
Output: **3:23**
